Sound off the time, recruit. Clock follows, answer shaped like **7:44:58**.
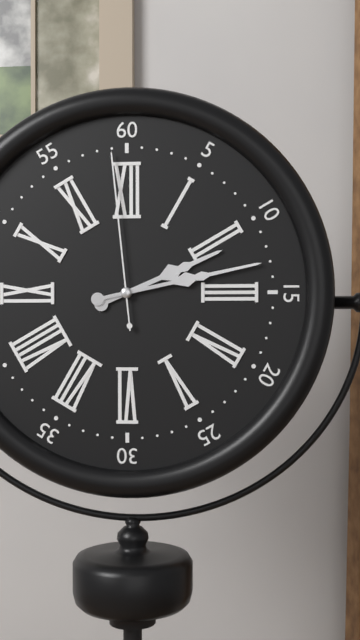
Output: **2:13:59**
